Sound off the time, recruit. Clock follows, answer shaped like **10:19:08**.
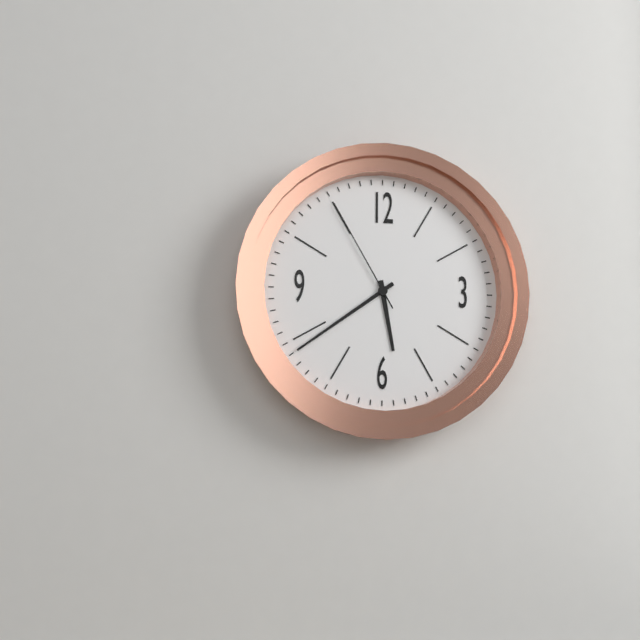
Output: **5:39:55**
